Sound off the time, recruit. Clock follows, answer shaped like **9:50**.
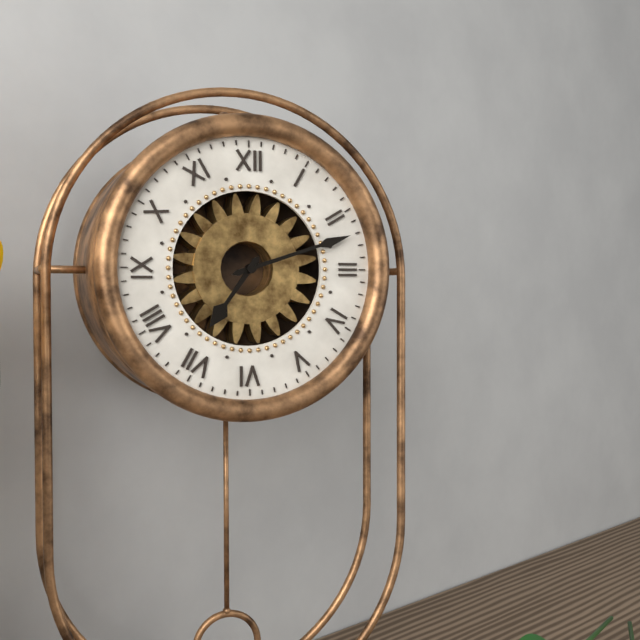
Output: **7:12**
